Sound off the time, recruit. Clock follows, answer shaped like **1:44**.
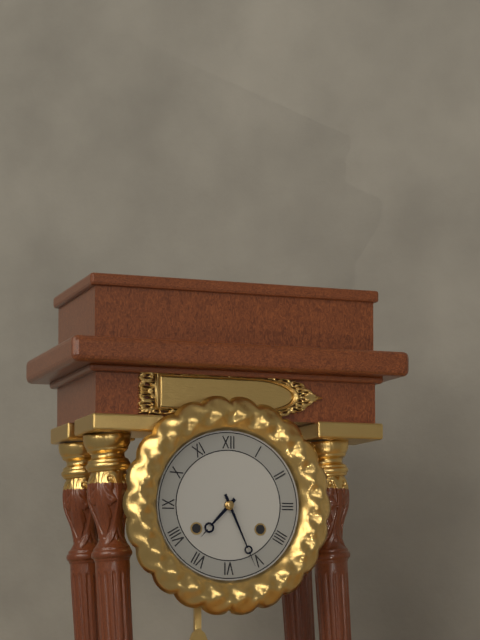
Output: **7:26**
